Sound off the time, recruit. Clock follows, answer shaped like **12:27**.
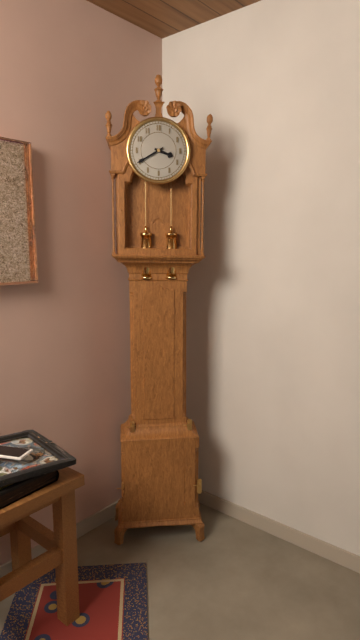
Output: **3:40**
